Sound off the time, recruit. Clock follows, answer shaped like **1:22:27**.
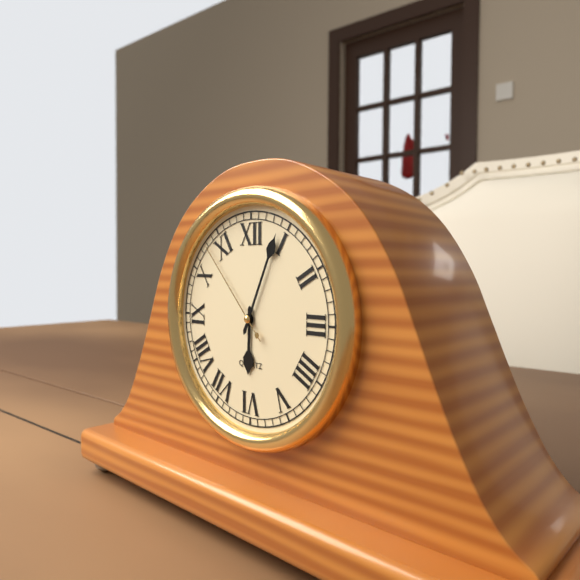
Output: **6:04:53**
